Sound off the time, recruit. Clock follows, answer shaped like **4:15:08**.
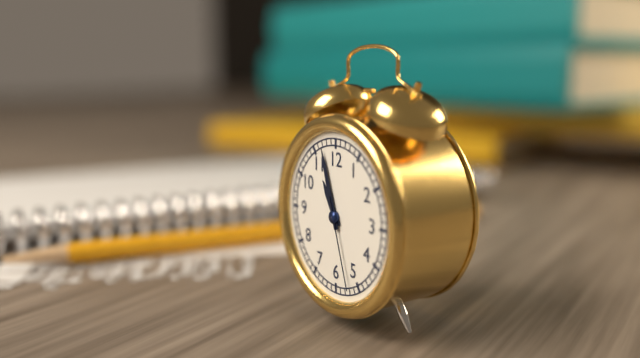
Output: **10:57:27**
